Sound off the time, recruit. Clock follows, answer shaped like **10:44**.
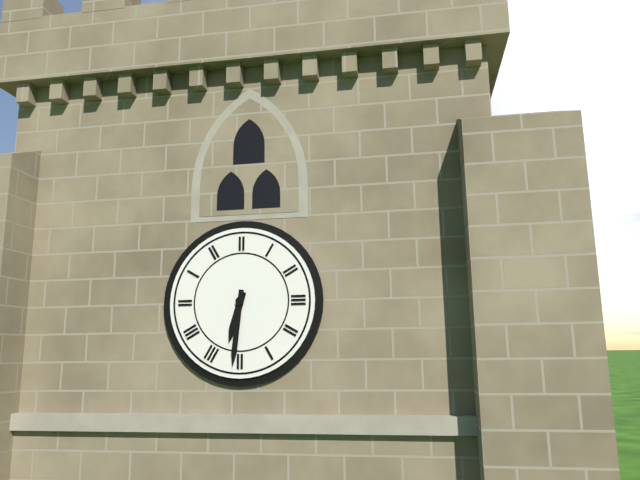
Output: **6:31**
